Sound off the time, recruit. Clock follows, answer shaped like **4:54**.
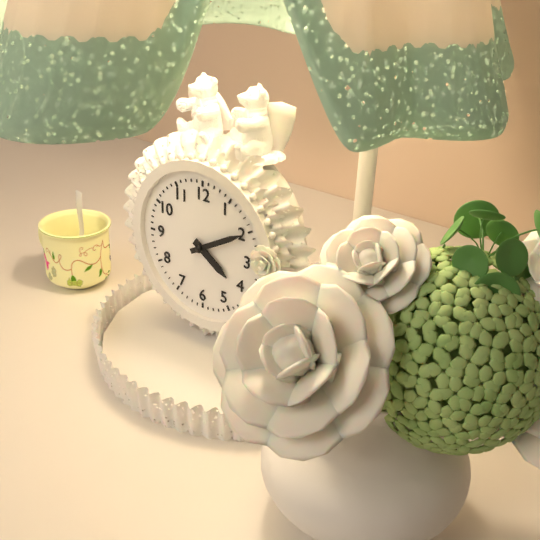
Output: **4:10**
